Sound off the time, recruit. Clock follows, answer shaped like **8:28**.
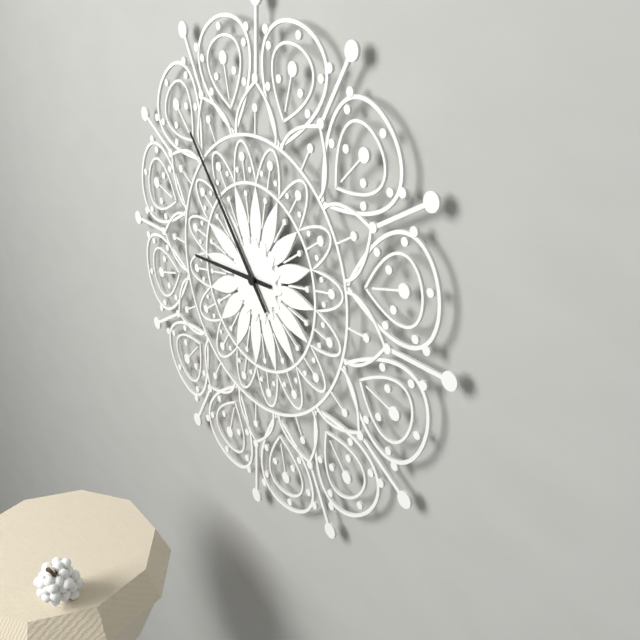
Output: **8:53**
